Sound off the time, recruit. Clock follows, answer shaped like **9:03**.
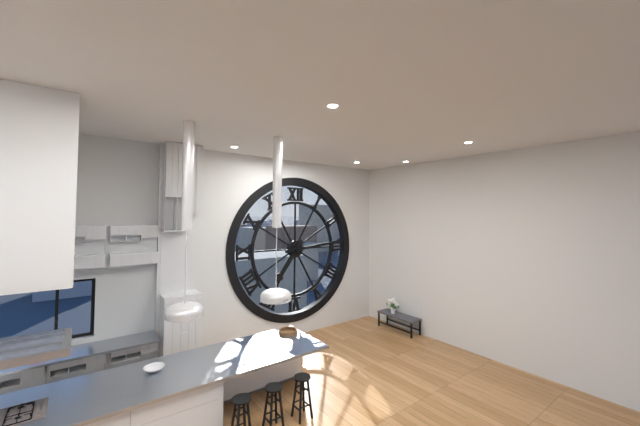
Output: **7:14**
